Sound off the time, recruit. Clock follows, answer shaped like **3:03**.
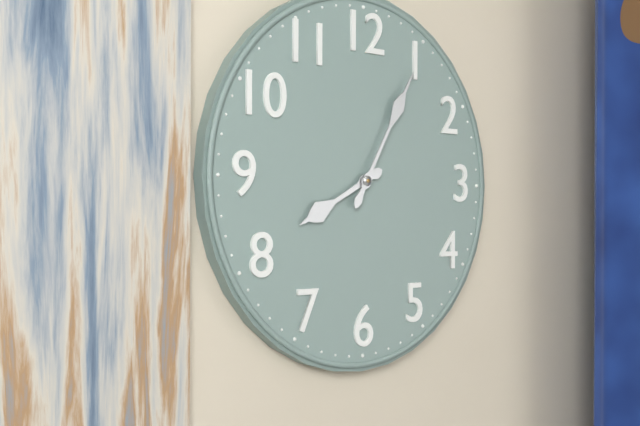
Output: **8:05**
